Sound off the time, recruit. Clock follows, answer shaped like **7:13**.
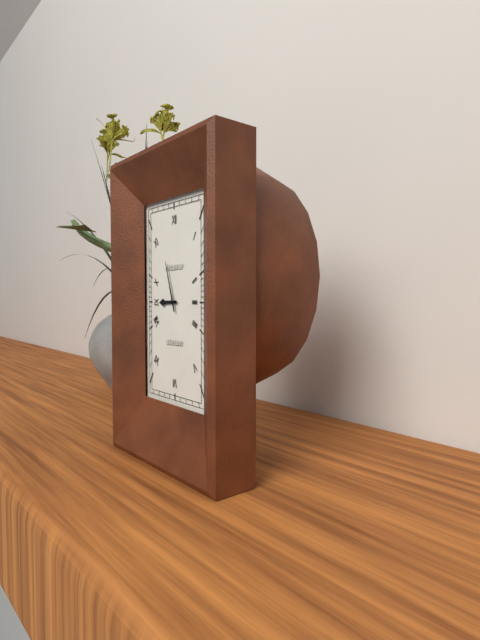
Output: **8:57**
